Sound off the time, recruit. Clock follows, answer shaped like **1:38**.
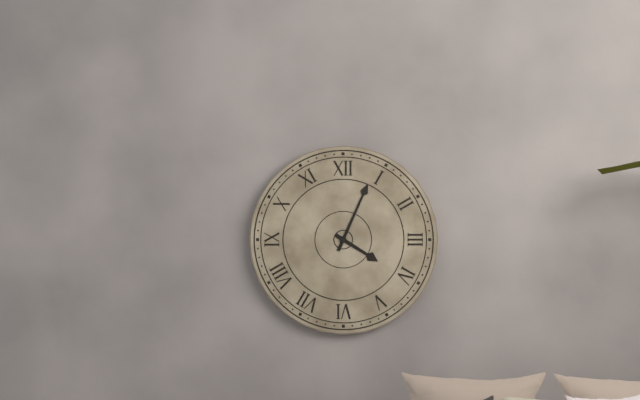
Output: **4:04**
